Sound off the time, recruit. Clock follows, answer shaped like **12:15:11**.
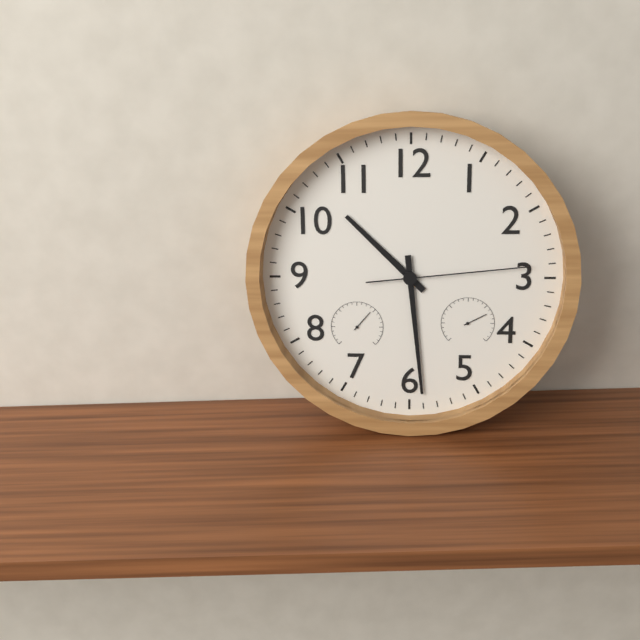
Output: **10:29:14**
